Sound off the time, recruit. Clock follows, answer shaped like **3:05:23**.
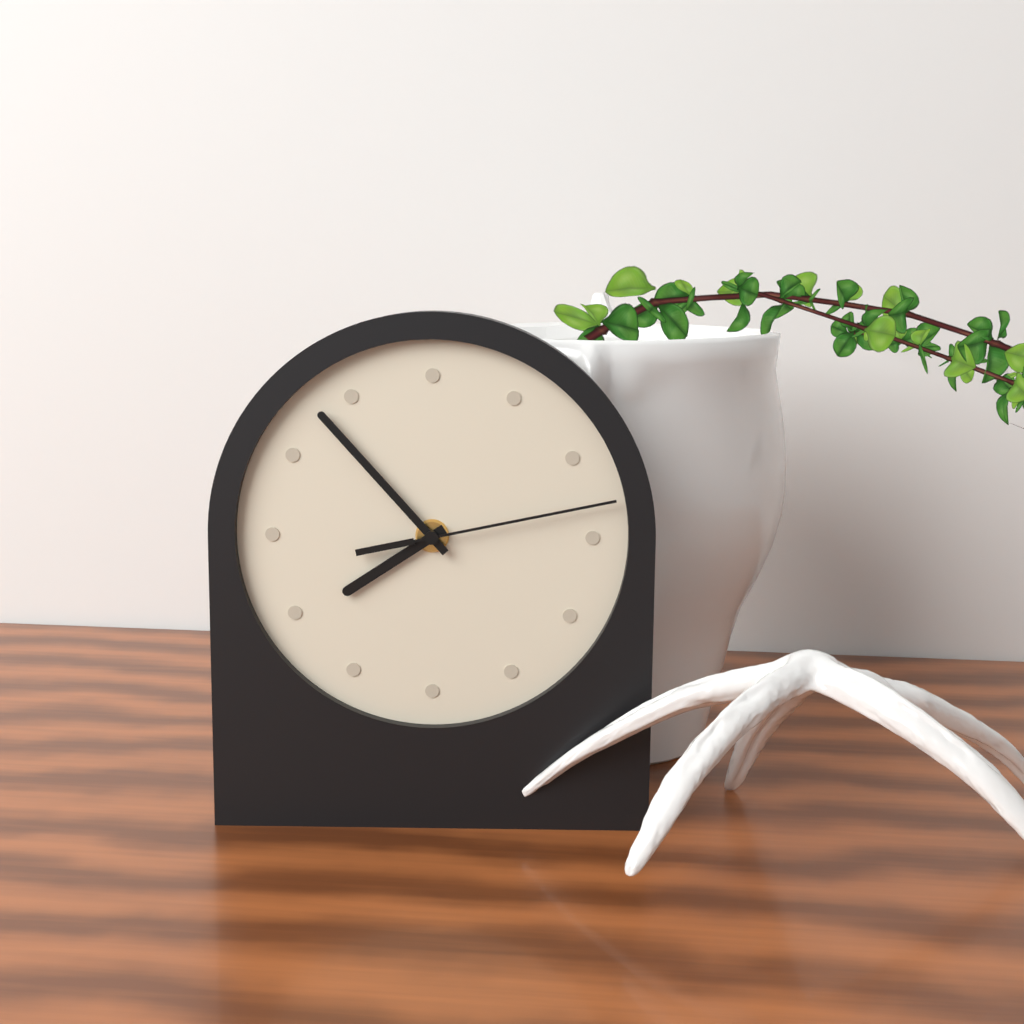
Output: **7:53:13**
